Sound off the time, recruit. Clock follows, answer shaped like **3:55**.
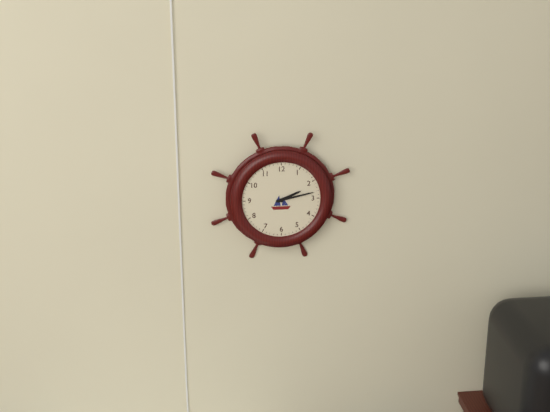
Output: **2:13**
